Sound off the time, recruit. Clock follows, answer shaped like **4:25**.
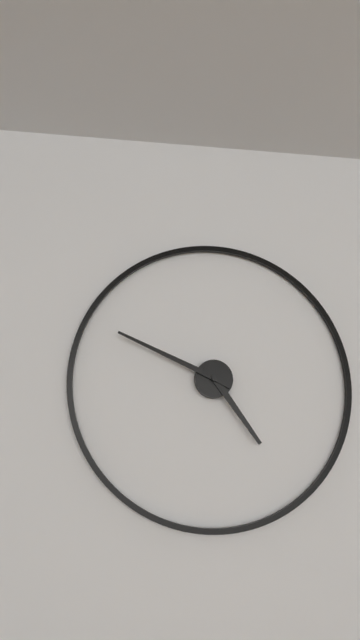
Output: **4:49**
